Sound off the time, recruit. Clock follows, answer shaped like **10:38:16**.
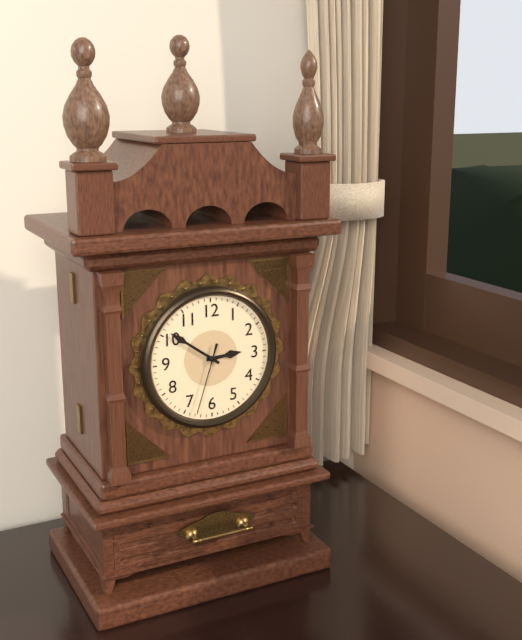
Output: **2:51:33**
